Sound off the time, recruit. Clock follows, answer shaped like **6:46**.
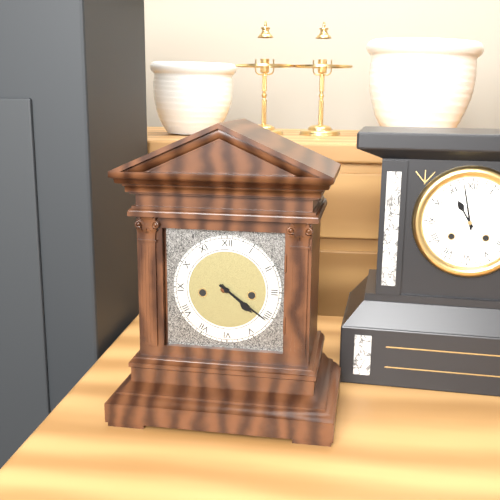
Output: **4:21**
